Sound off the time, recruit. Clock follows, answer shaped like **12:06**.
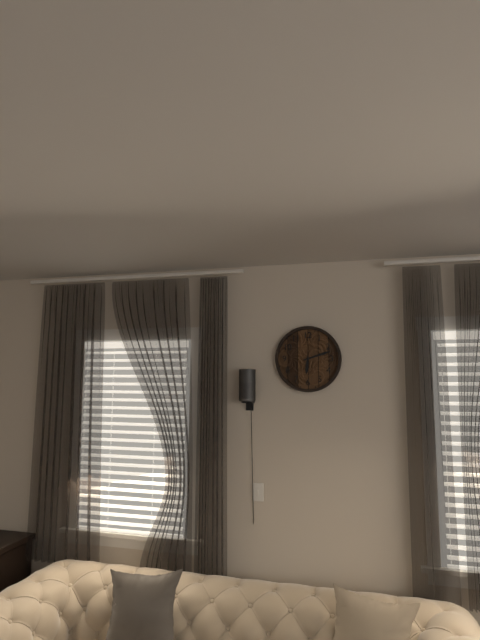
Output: **6:12**
